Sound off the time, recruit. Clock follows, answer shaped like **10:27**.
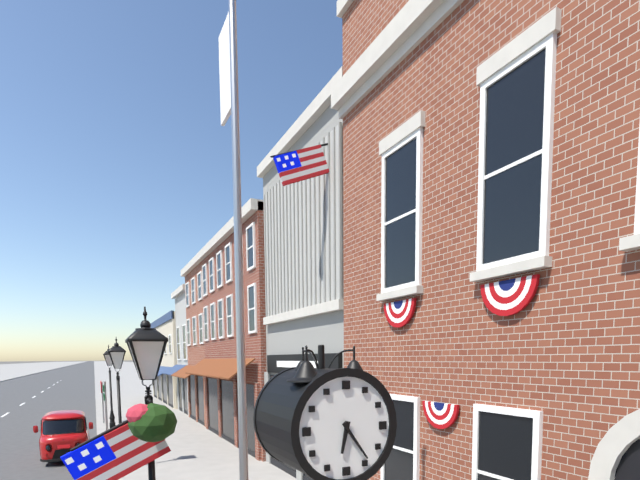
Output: **6:24**
